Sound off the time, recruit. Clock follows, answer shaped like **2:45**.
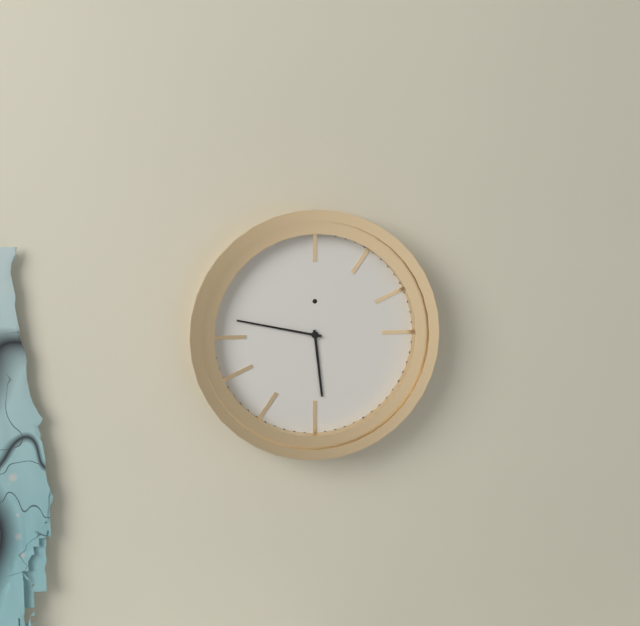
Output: **5:47**
